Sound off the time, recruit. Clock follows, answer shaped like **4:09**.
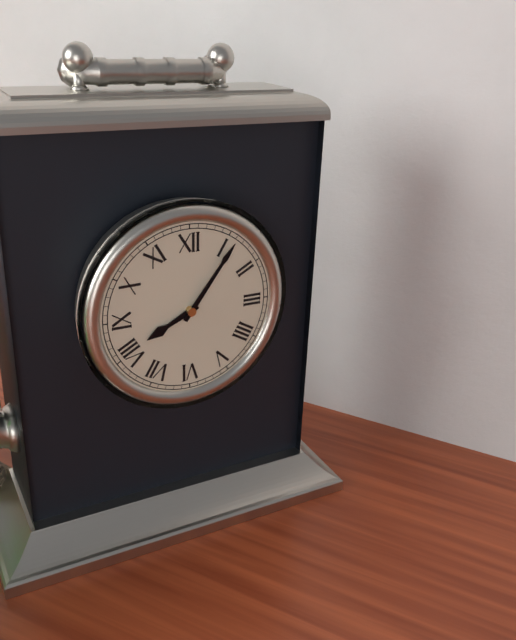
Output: **8:06**
